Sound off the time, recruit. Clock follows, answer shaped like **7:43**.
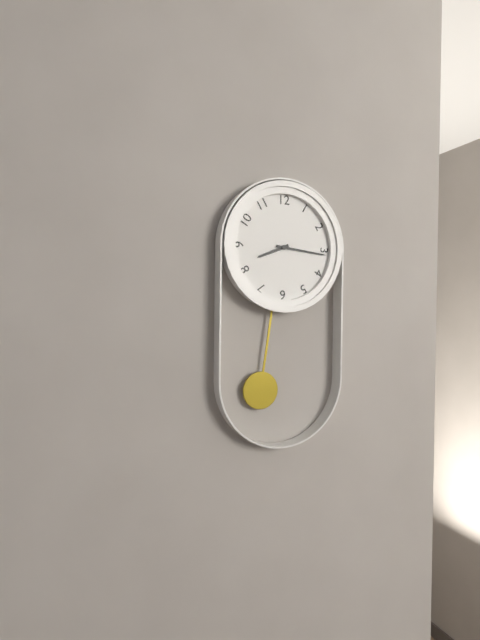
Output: **8:16**
